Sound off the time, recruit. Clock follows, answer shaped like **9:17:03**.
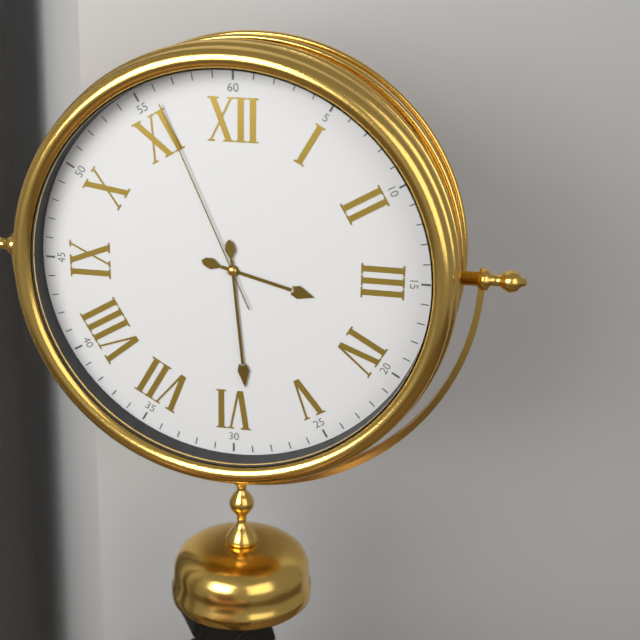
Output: **3:29:56**
